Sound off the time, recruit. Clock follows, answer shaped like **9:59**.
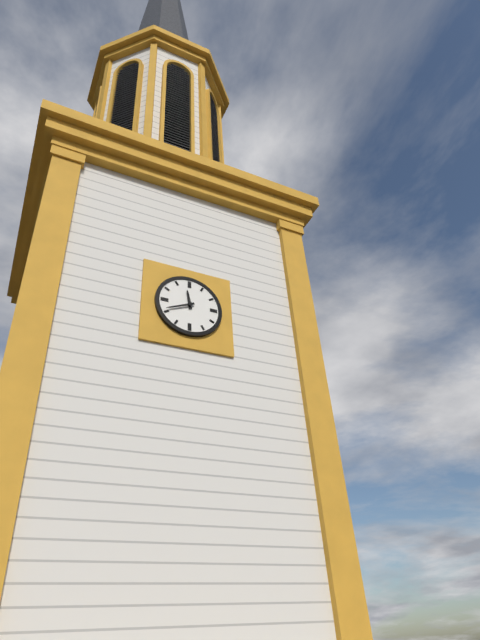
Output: **11:41**
